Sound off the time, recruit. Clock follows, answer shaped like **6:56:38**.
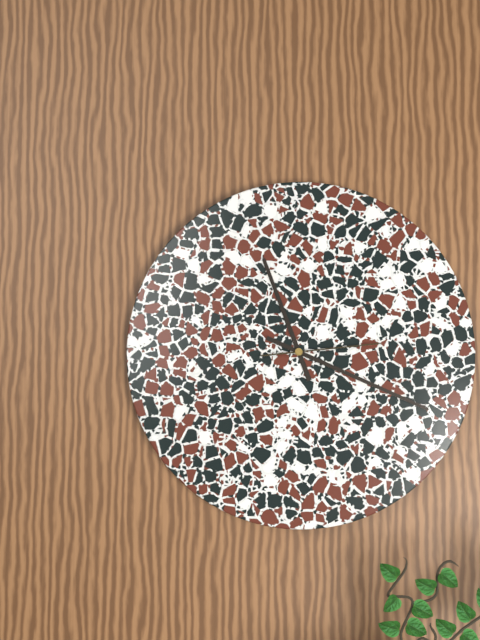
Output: **11:19:14**
